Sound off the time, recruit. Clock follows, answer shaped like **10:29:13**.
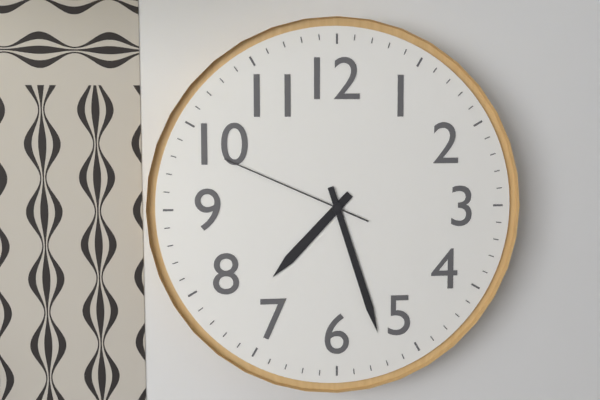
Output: **7:27:49**
